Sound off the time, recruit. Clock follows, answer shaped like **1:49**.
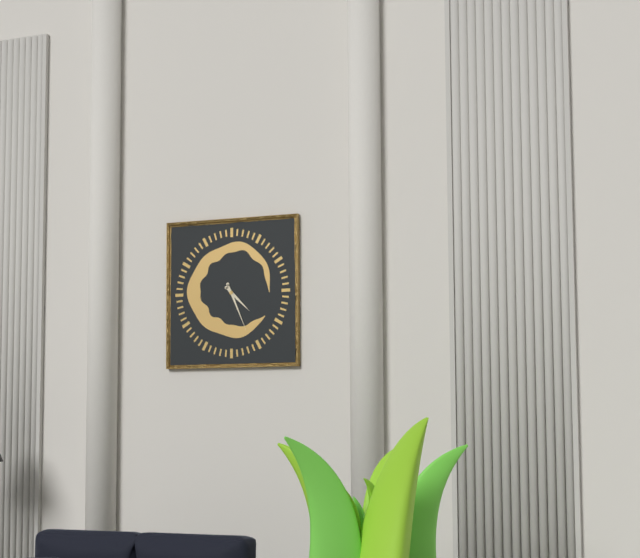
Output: **4:26**
